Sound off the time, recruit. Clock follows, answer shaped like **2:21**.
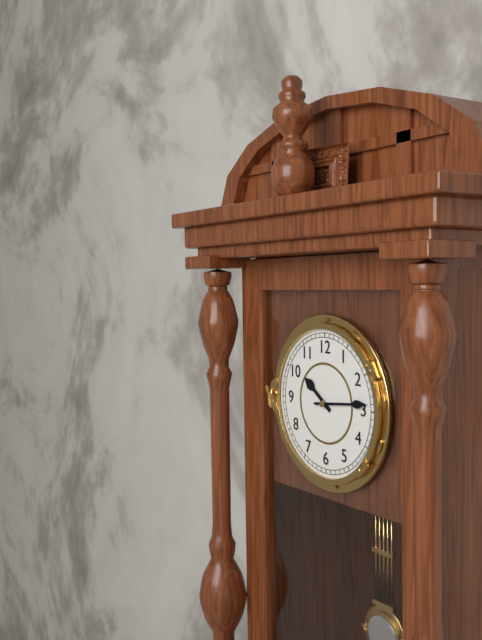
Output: **10:14**
